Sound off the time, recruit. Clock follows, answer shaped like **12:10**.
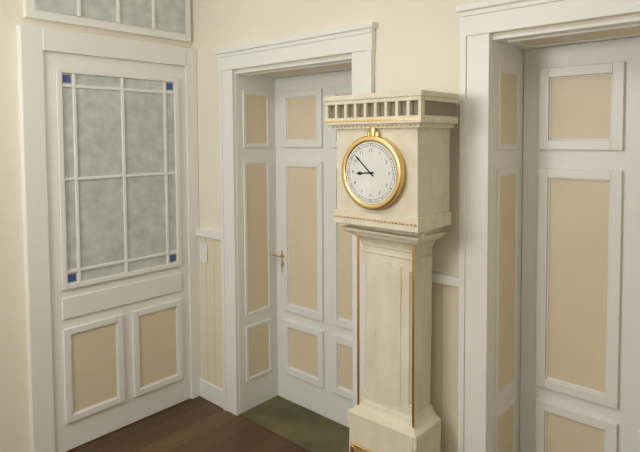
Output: **8:52**
